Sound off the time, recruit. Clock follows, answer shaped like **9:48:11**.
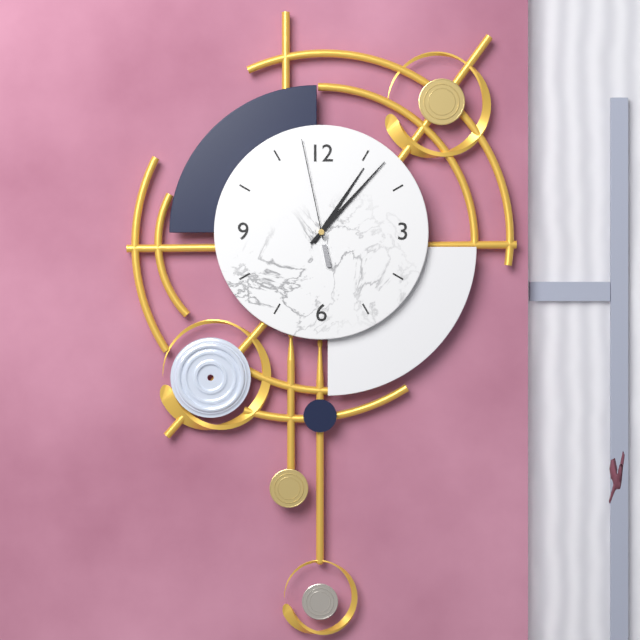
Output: **1:07:58**
